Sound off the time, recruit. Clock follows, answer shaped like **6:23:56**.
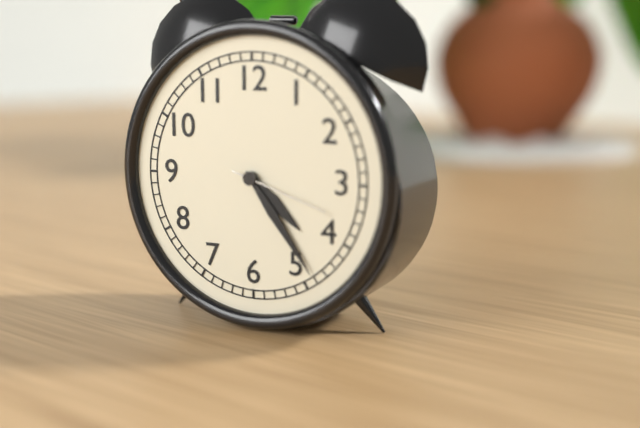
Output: **4:24:18**
